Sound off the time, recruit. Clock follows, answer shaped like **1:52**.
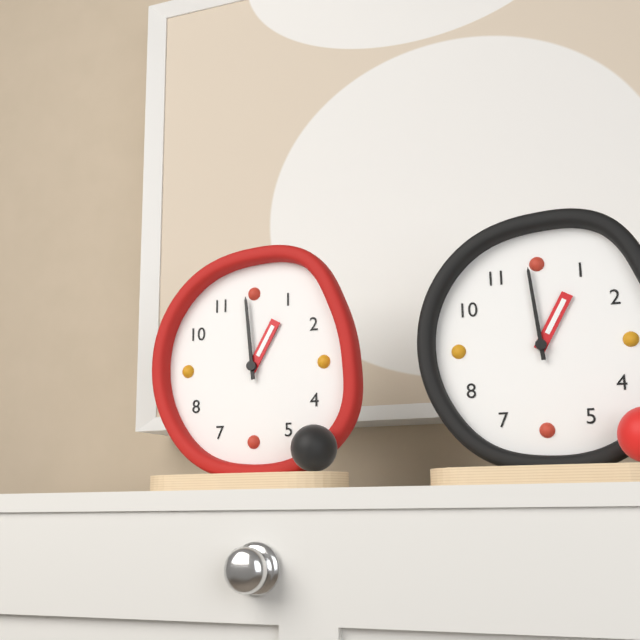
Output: **12:59**
